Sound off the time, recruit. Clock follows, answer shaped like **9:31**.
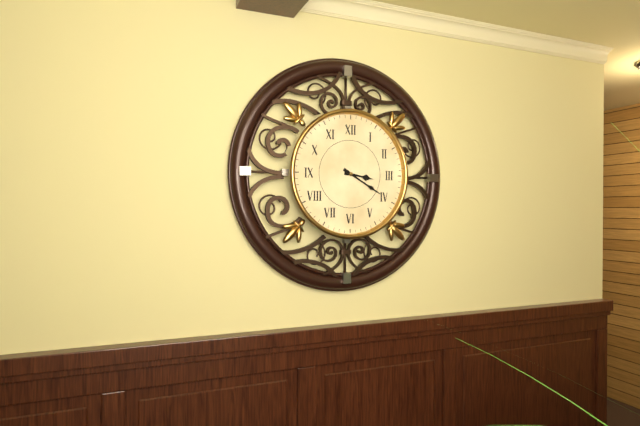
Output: **3:20**
